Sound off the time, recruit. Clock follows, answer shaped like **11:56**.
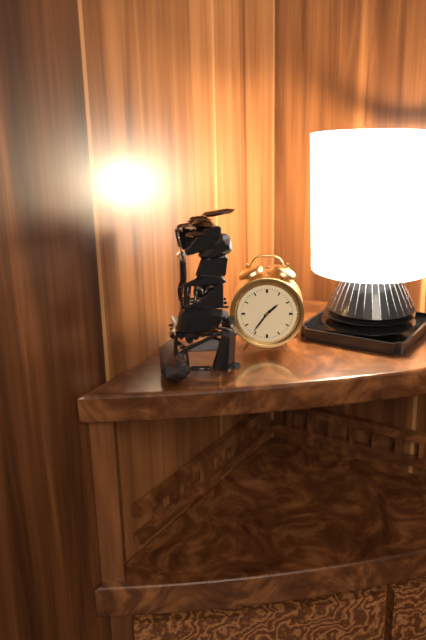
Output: **1:36**
